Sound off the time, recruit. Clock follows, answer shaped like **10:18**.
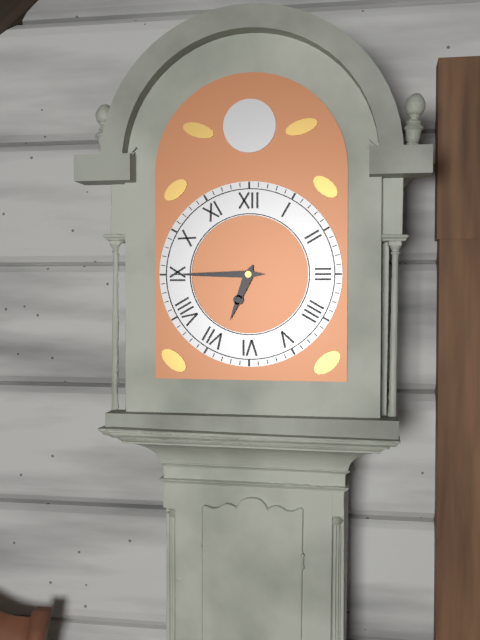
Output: **6:45**
